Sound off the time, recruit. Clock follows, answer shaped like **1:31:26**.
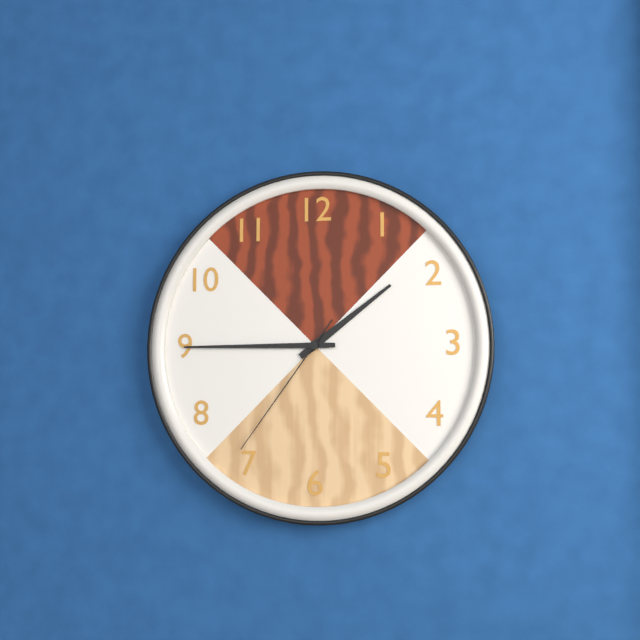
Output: **1:45:36**
